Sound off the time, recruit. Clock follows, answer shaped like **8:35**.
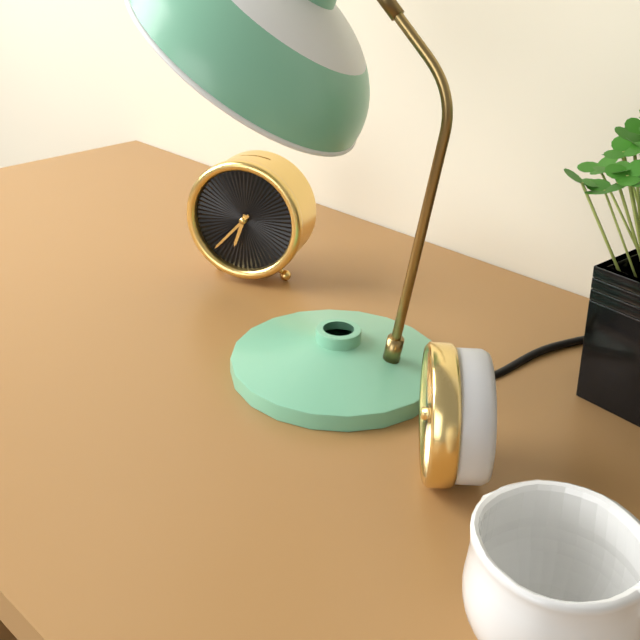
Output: **6:37**
